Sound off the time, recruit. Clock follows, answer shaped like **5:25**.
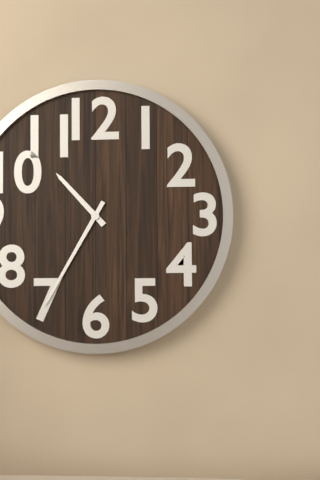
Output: **10:35**
